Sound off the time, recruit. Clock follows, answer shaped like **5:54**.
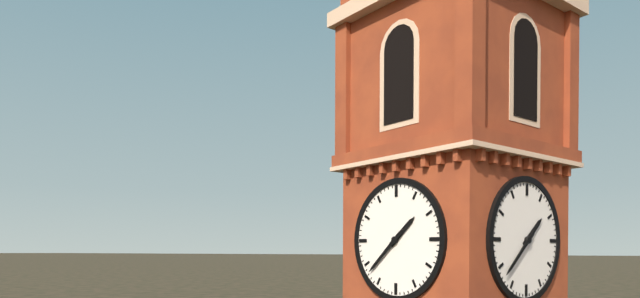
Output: **1:38**
